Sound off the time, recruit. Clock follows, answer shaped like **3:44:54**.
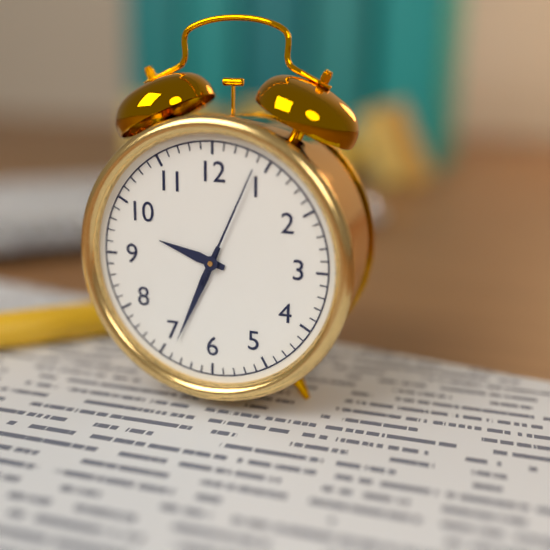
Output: **9:34:04**
